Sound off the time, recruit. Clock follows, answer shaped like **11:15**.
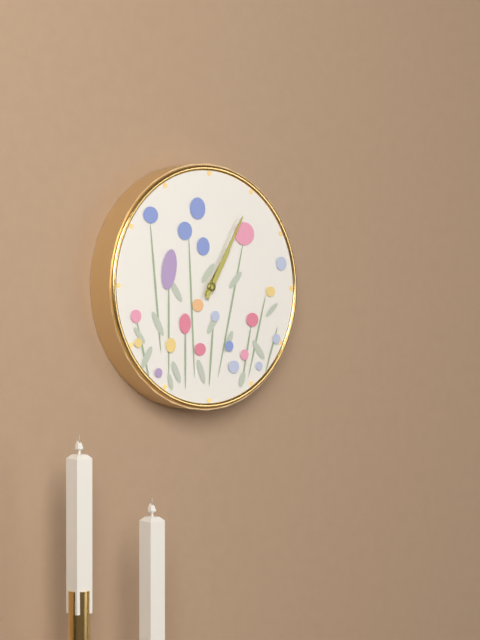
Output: **1:05**
